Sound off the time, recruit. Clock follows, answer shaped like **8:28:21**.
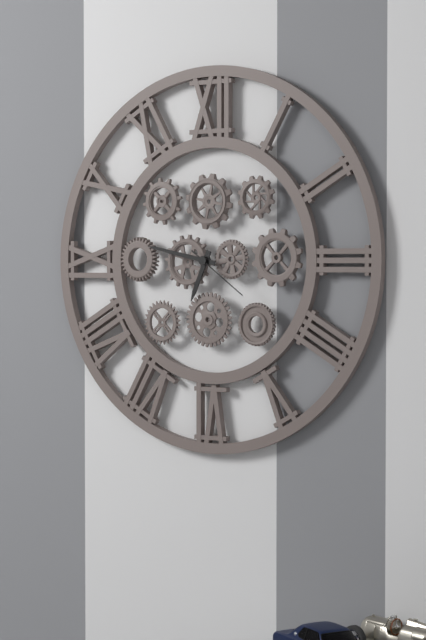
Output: **6:47:21**
